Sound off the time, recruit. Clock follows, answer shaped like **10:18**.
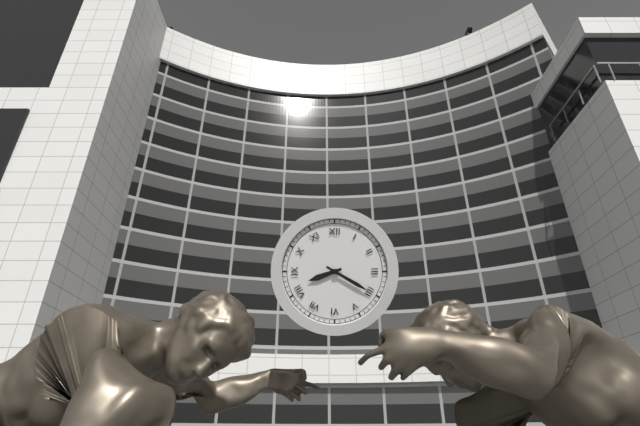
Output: **8:20**
